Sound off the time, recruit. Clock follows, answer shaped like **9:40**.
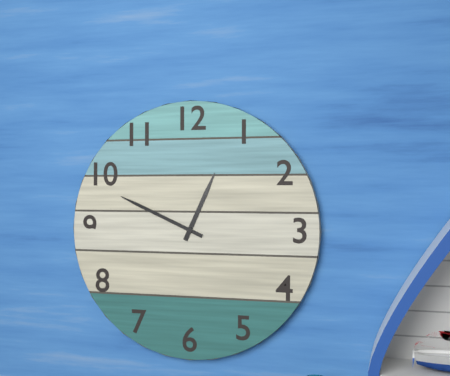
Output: **12:49**
